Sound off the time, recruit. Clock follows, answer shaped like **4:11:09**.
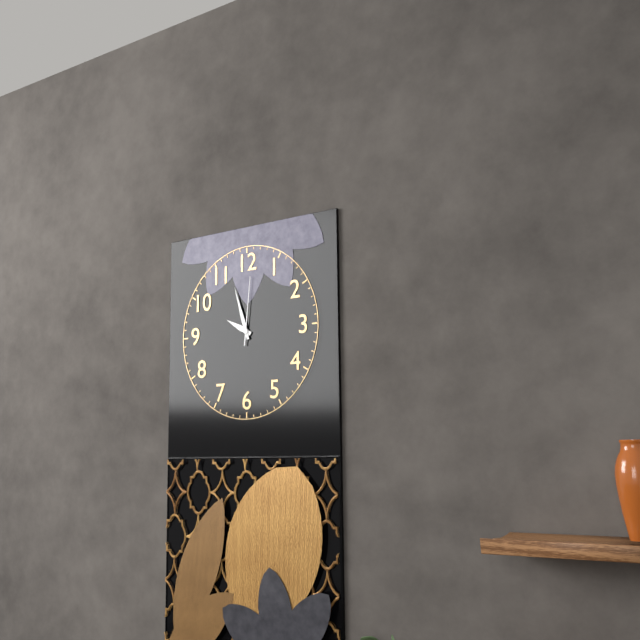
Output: **9:57:01**
